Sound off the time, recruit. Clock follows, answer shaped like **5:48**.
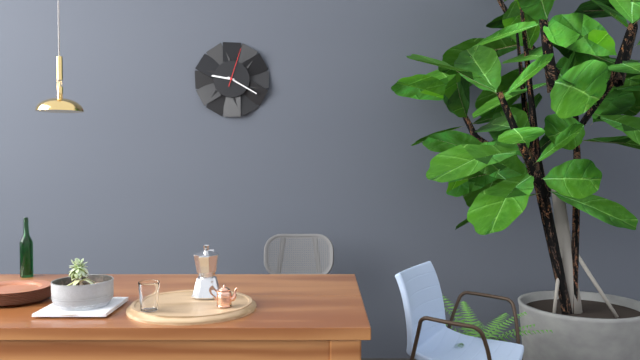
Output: **9:20**
